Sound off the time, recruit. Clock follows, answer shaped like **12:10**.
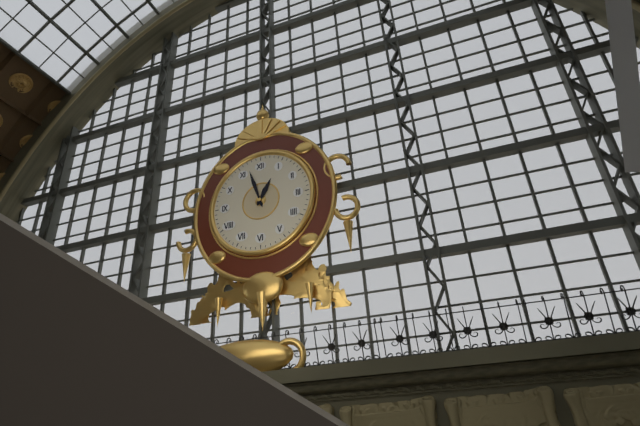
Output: **12:57**
